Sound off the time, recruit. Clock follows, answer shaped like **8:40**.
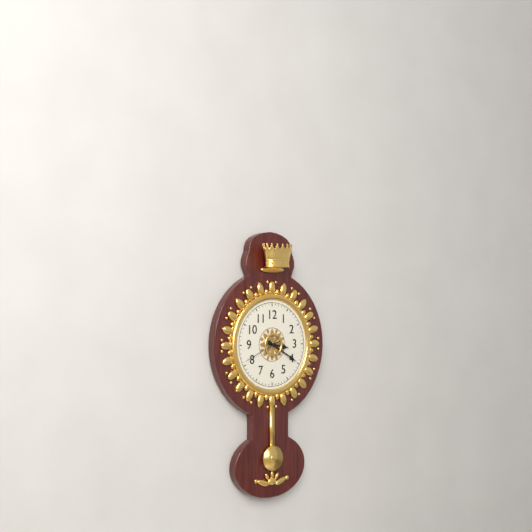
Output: **3:20**
